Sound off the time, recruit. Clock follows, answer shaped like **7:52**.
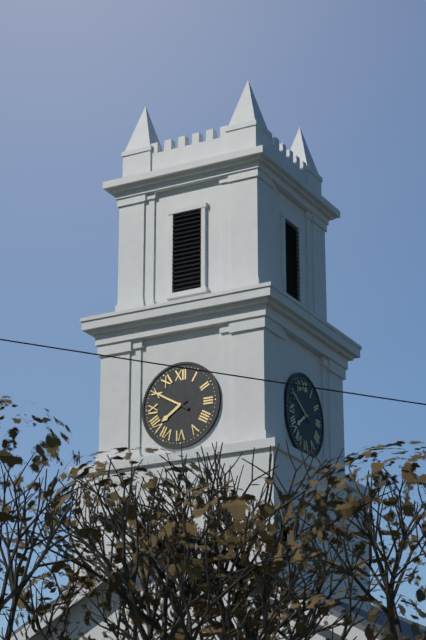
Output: **7:50**
